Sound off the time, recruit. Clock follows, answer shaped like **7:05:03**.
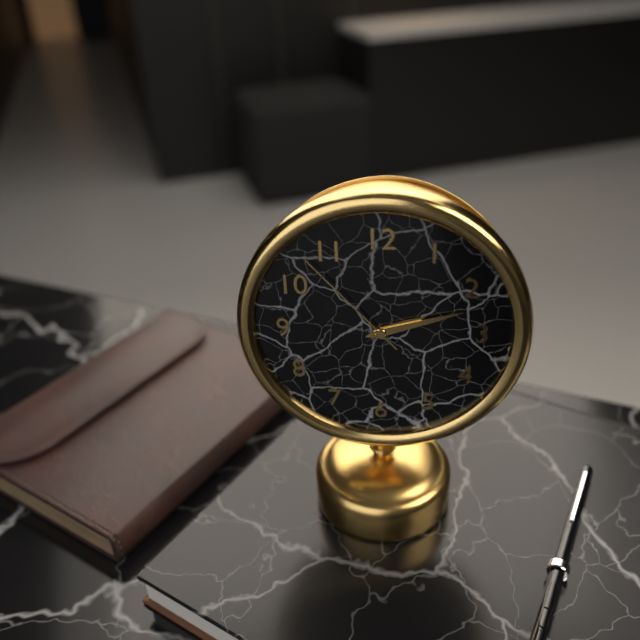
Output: **2:12:53**
